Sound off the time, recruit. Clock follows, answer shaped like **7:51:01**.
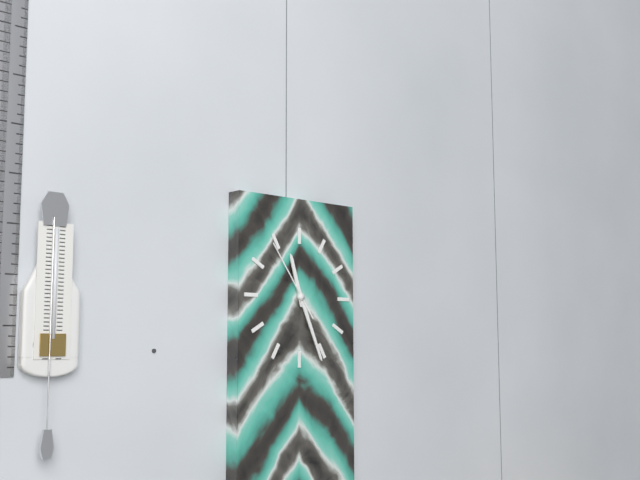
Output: **11:26:54**
